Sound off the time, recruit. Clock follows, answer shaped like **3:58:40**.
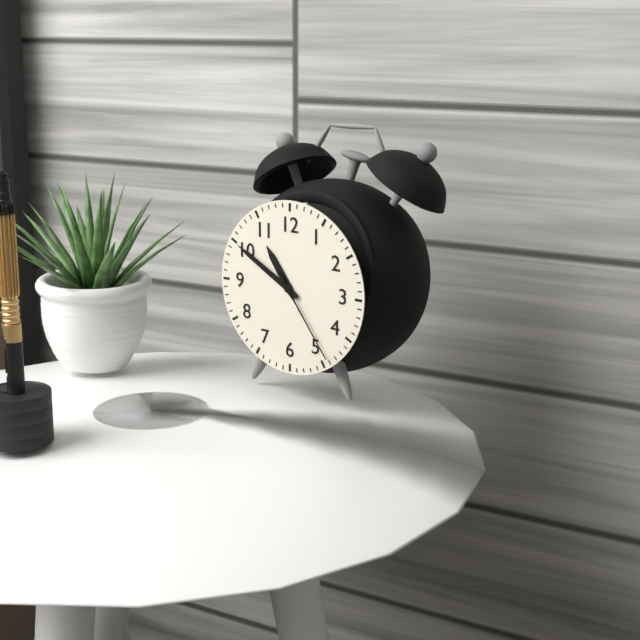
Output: **10:50:24**
